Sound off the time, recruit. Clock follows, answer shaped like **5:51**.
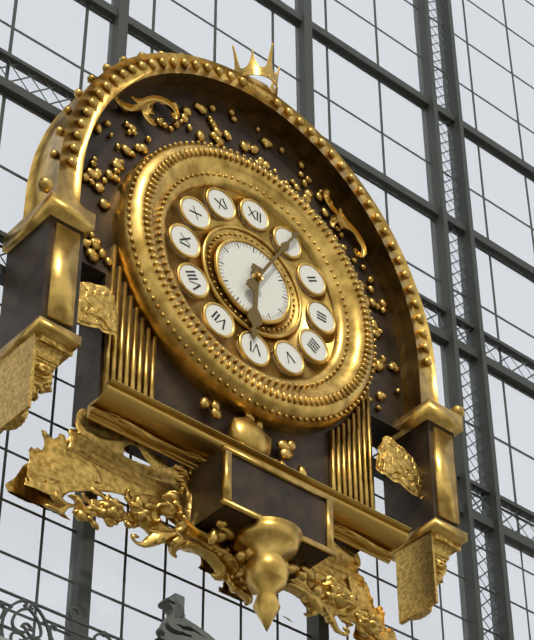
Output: **6:05**
